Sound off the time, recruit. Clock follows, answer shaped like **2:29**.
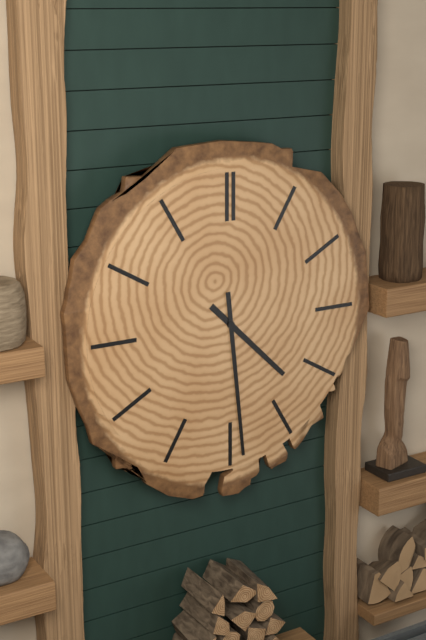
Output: **4:29**
